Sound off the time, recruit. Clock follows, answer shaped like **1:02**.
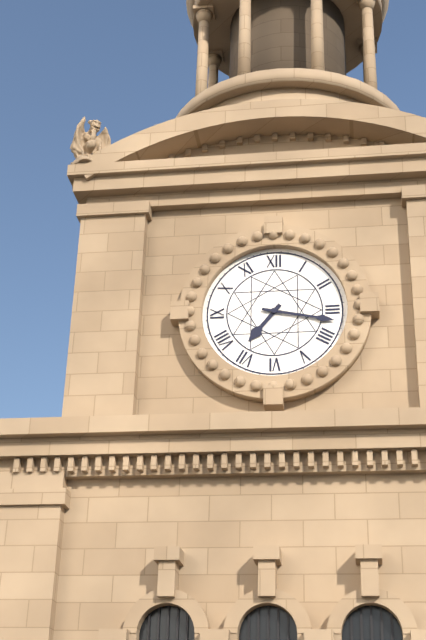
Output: **7:17**
